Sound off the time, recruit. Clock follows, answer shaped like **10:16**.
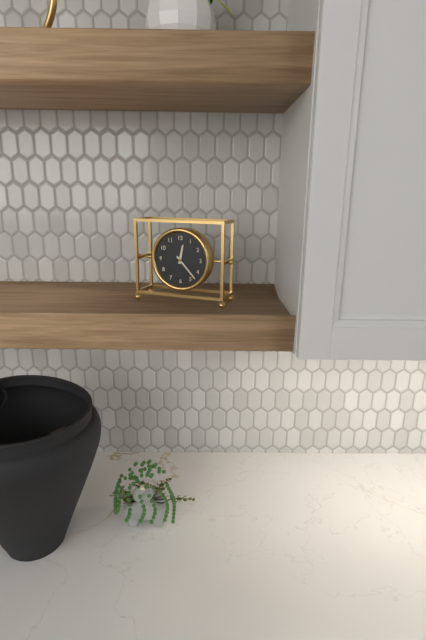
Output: **12:23**
